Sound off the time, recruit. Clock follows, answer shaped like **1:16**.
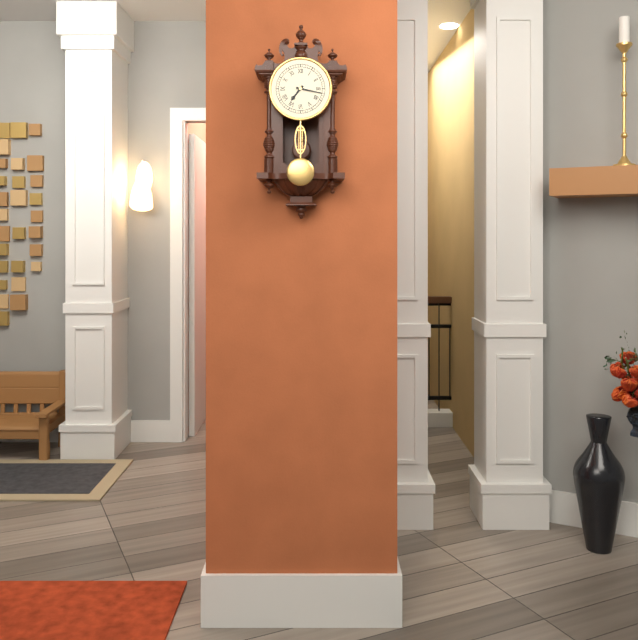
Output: **7:17**
